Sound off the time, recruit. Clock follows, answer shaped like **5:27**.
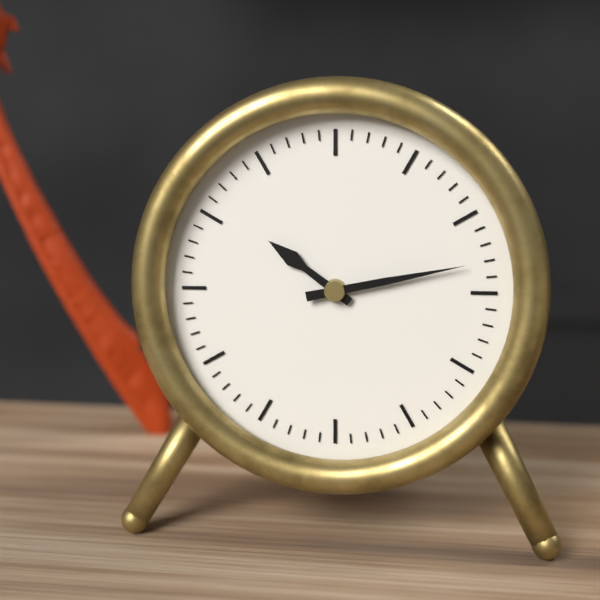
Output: **10:13**
